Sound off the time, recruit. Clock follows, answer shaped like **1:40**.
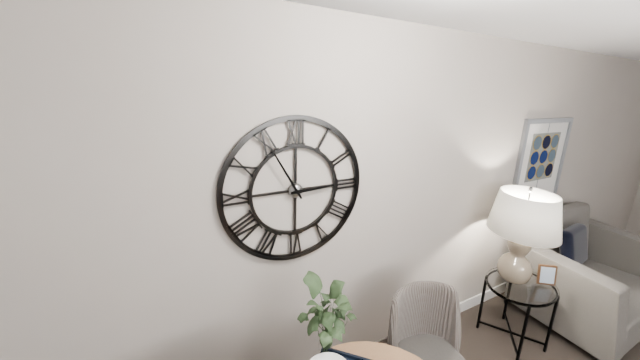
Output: **2:55**
